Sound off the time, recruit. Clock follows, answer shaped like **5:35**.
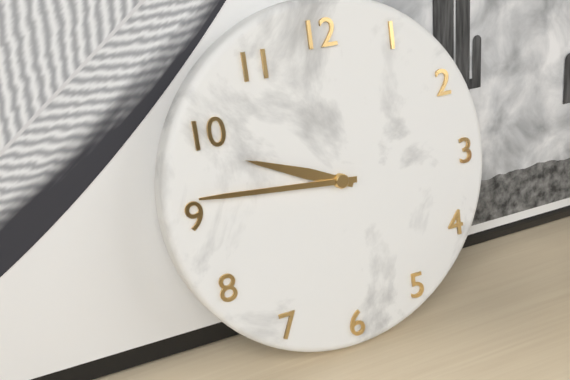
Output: **9:46**
